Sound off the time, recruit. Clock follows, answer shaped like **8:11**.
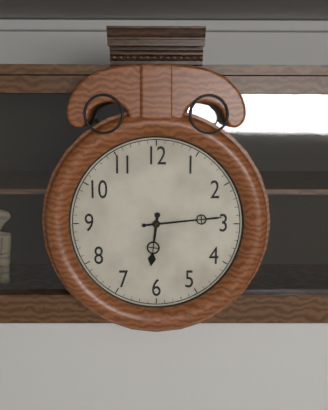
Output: **6:14**
